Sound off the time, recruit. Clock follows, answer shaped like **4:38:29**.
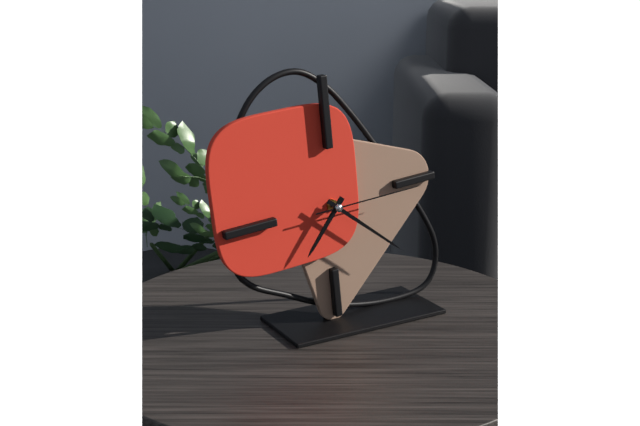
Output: **7:22:15**
